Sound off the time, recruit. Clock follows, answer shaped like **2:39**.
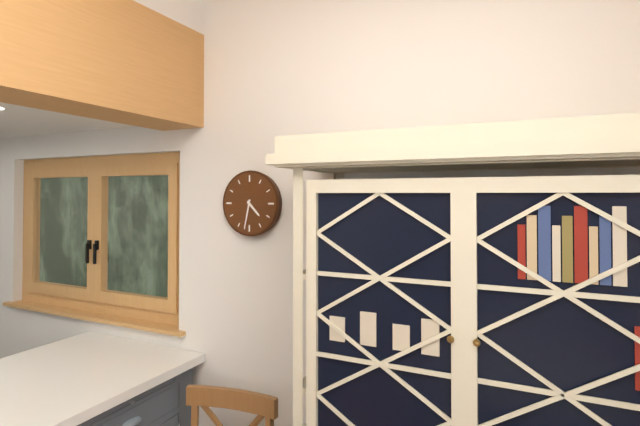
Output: **4:32**
